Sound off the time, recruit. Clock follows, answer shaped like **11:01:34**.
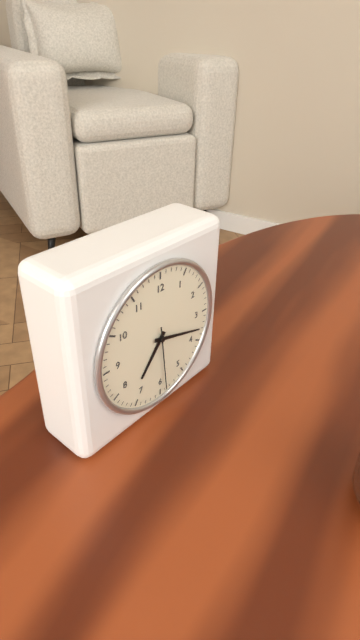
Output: **7:18:29**
